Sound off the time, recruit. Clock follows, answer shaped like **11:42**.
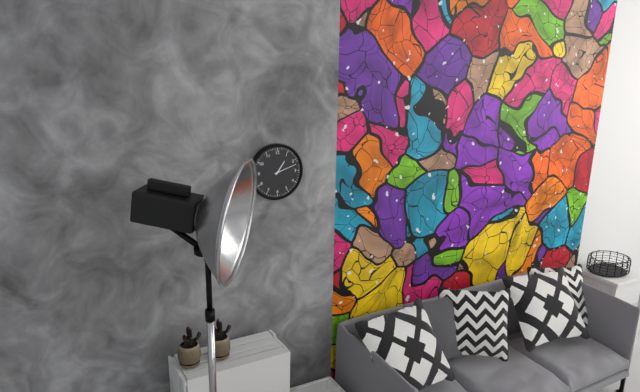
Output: **1:12**
